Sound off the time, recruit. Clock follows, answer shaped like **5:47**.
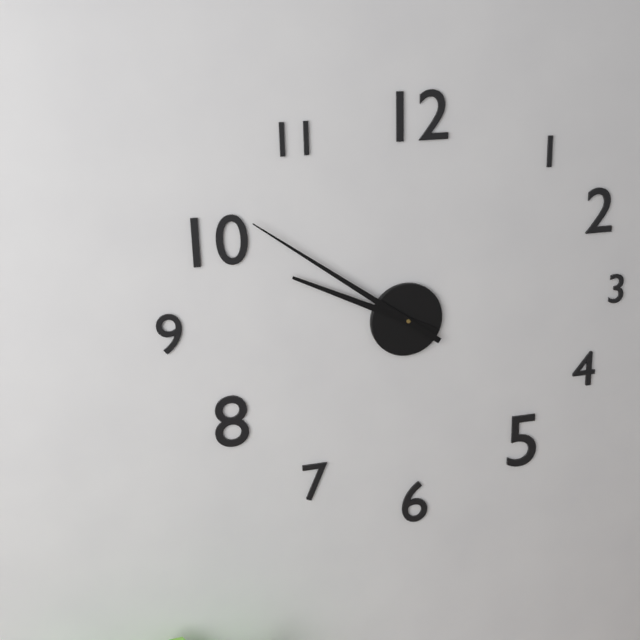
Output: **9:51**
